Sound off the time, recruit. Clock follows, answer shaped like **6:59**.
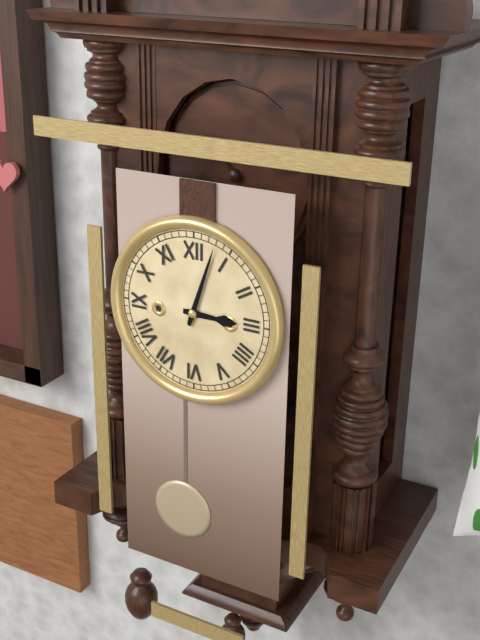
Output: **3:03**
